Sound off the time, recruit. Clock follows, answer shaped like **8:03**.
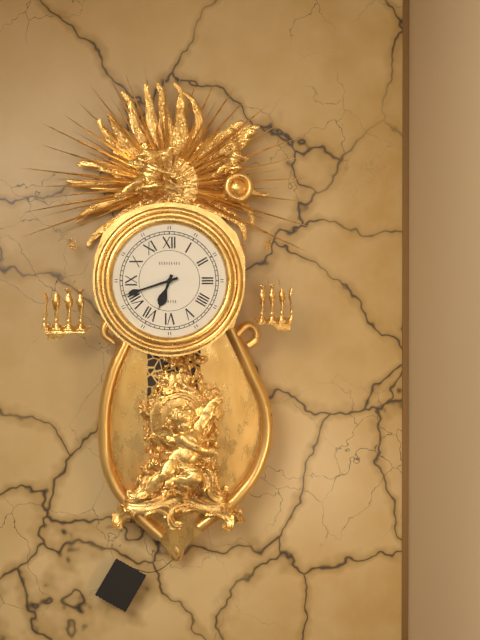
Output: **6:42**
